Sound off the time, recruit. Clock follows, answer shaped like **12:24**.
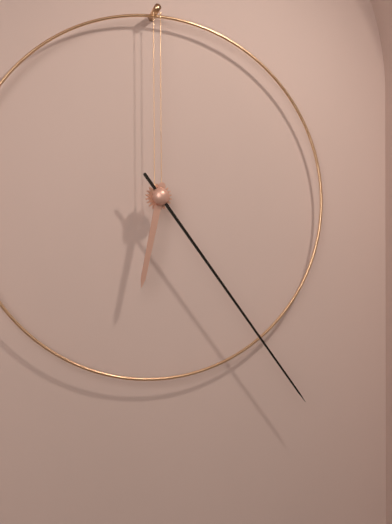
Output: **6:24**
